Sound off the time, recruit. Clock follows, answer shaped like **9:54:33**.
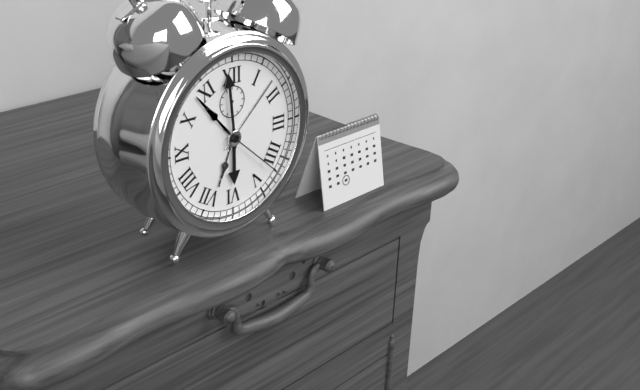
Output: **5:59:22**
